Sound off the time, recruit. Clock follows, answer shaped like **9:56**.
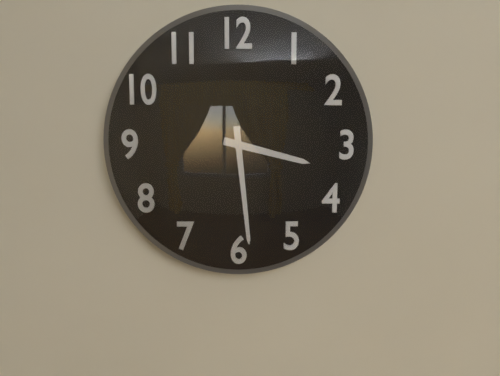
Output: **3:29**
